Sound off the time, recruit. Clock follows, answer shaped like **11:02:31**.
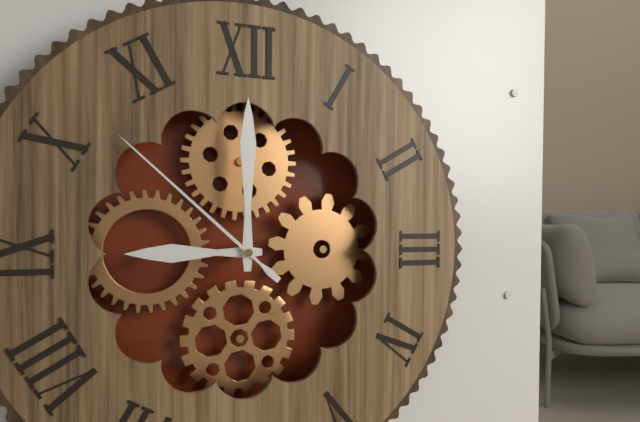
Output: **9:00:52**
